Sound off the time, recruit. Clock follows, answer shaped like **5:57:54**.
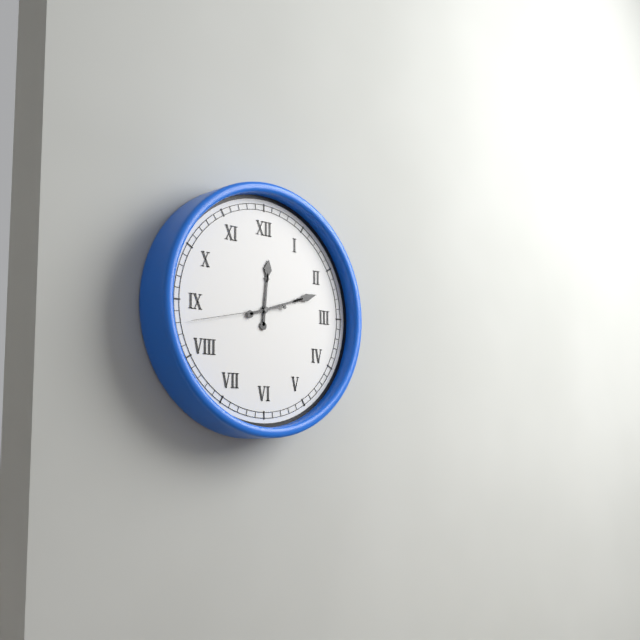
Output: **12:12:43**
